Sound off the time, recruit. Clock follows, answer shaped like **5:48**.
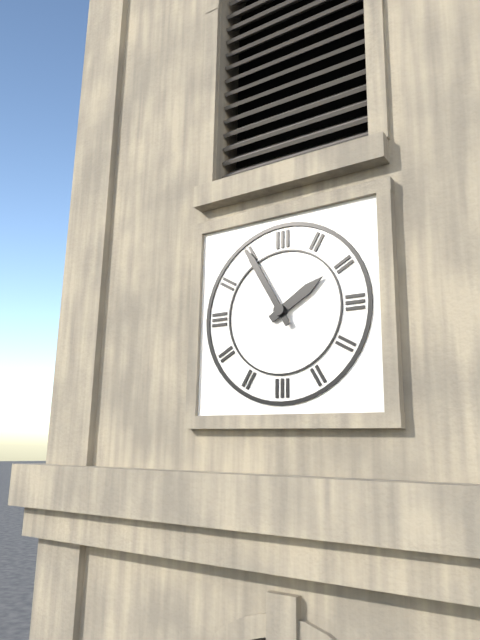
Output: **1:55**
